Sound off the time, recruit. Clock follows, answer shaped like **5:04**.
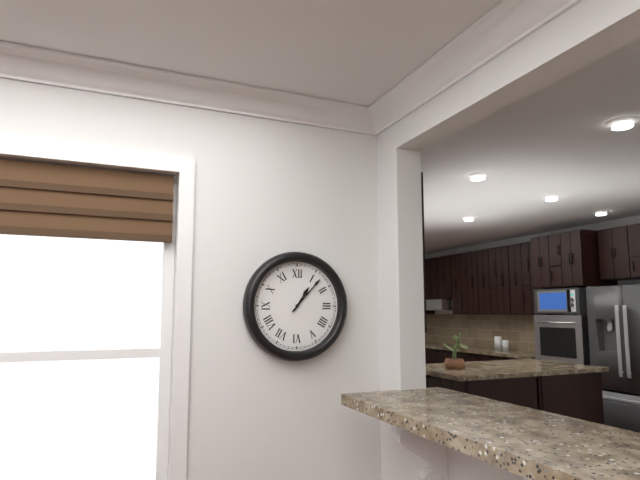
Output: **1:07**
